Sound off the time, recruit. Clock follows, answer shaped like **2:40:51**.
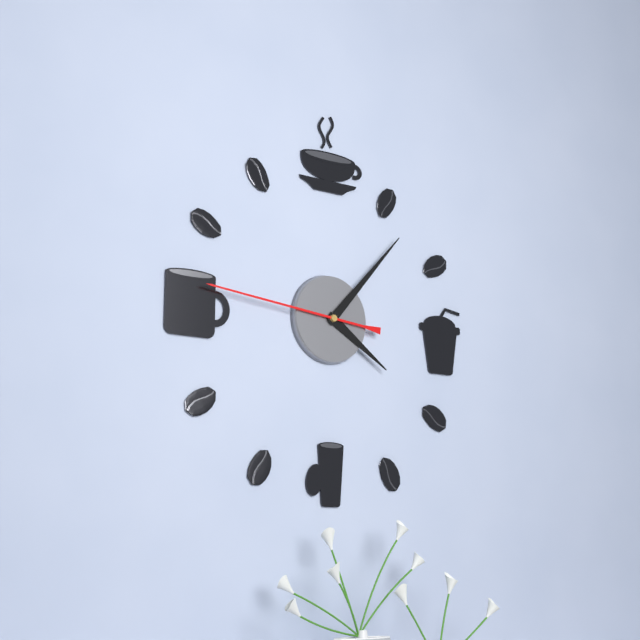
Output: **4:07:46**
